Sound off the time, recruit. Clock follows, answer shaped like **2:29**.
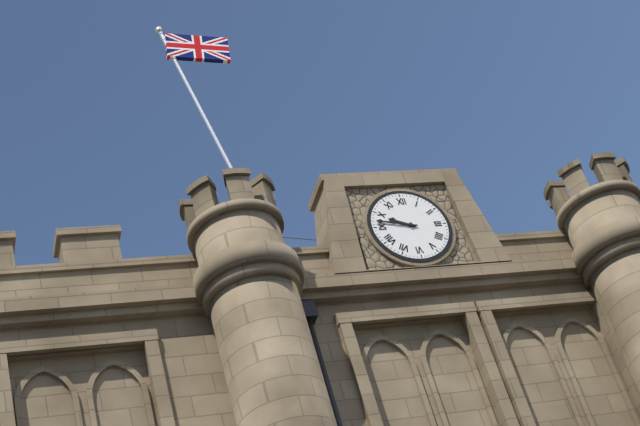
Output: **9:47**
